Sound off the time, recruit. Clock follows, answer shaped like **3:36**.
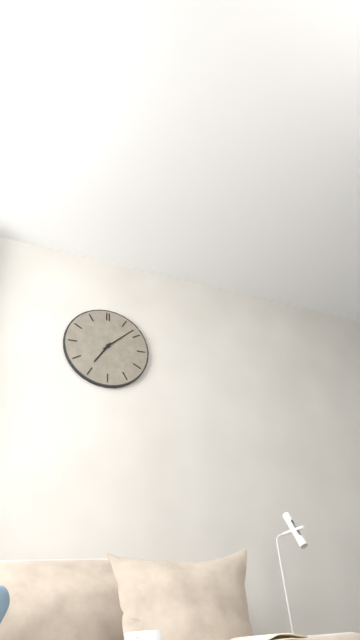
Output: **7:08**
